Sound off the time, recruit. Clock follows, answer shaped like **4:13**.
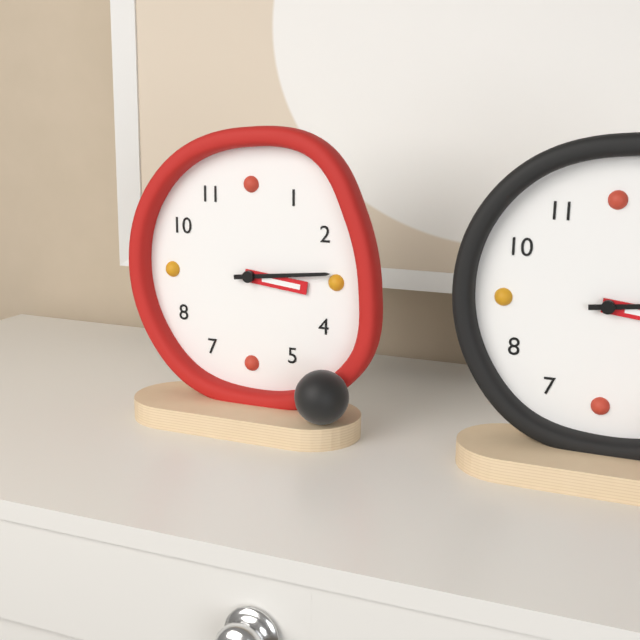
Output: **3:14**
